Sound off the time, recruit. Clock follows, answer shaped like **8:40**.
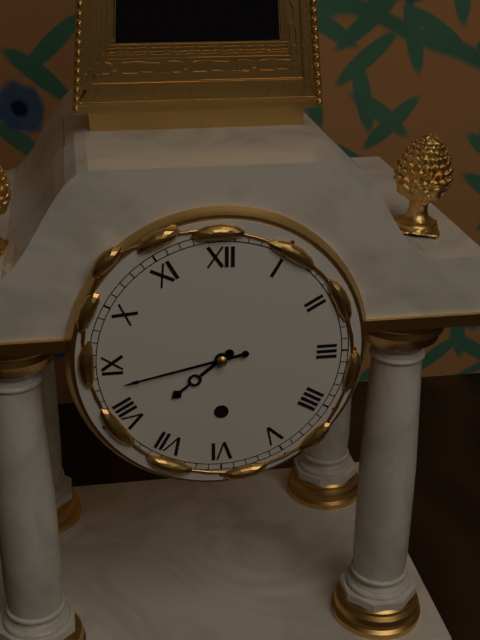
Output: **7:43**
